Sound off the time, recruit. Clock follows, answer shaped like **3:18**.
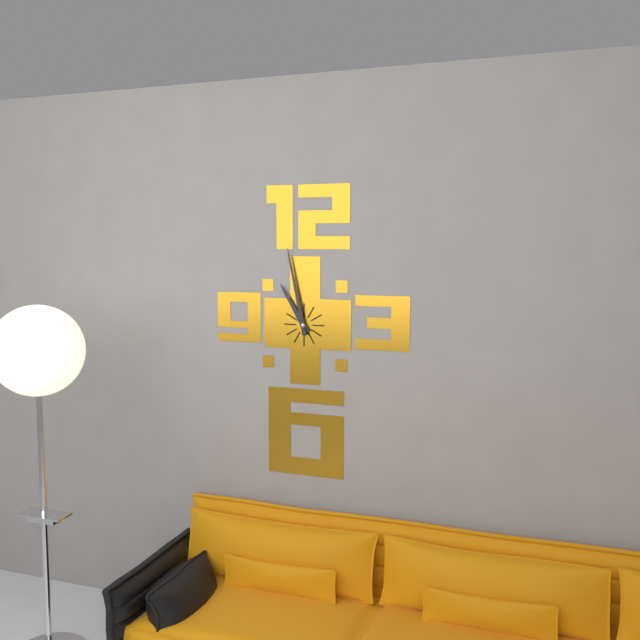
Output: **10:58**
